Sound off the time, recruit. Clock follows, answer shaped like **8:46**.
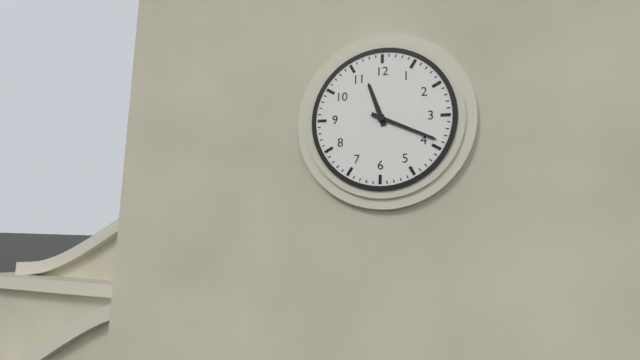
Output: **11:19**
